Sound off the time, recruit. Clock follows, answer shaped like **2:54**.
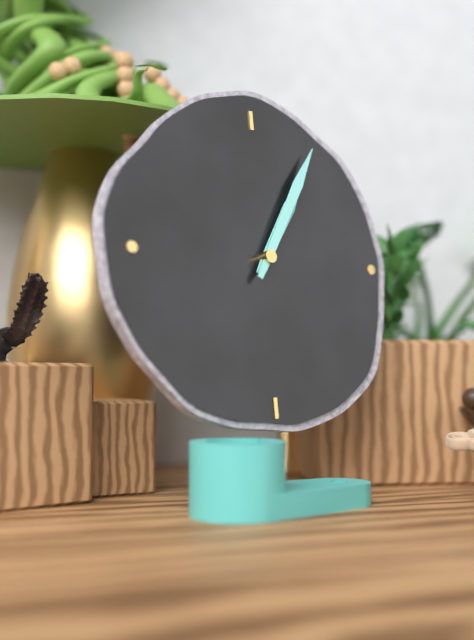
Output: **1:05**
